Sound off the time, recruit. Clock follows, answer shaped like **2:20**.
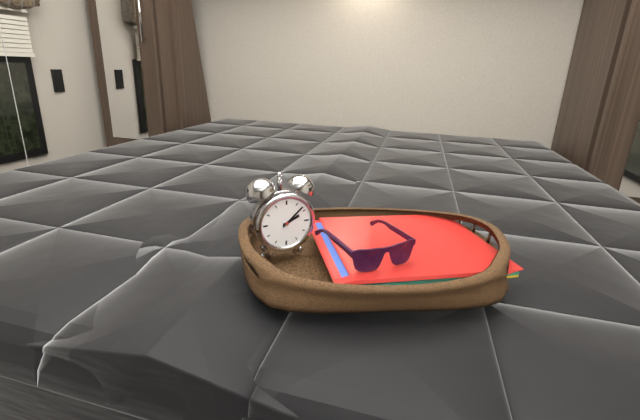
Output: **2:08**
